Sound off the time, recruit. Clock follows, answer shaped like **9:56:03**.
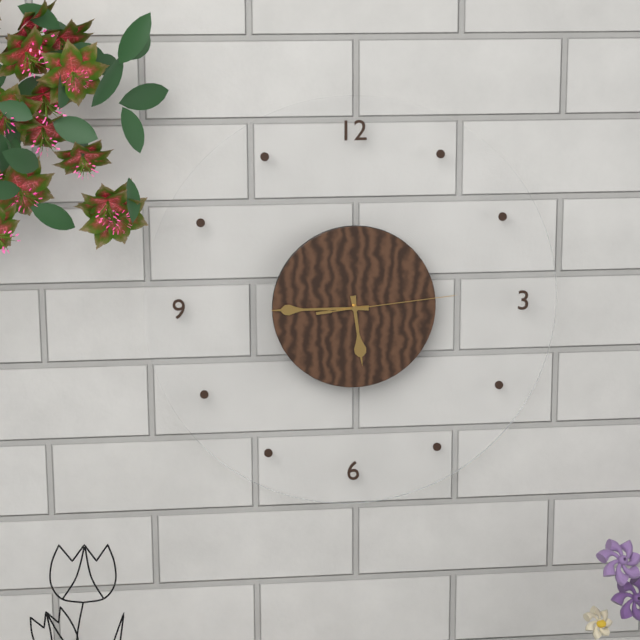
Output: **5:45:14**
